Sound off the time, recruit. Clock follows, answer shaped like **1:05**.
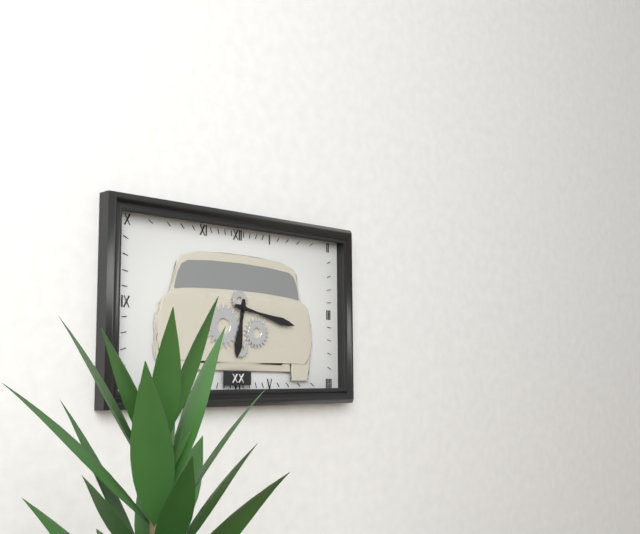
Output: **6:17**
